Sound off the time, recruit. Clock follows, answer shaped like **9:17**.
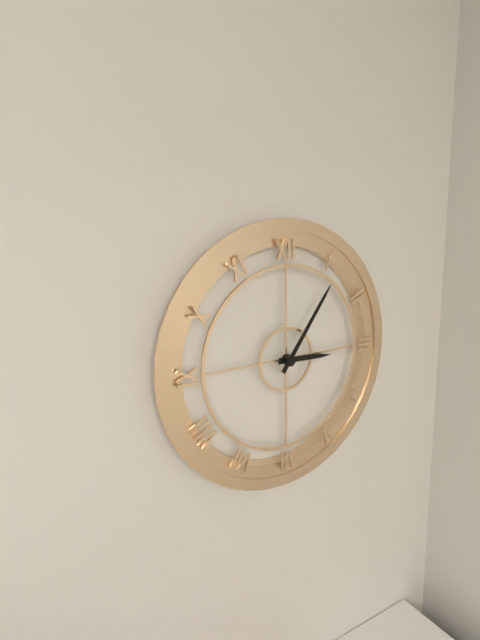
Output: **3:06**
